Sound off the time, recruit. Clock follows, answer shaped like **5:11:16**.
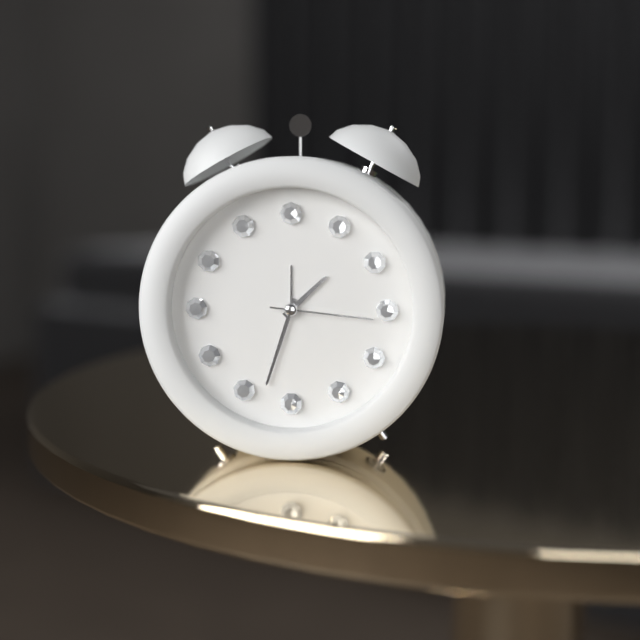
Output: **1:33:16**
